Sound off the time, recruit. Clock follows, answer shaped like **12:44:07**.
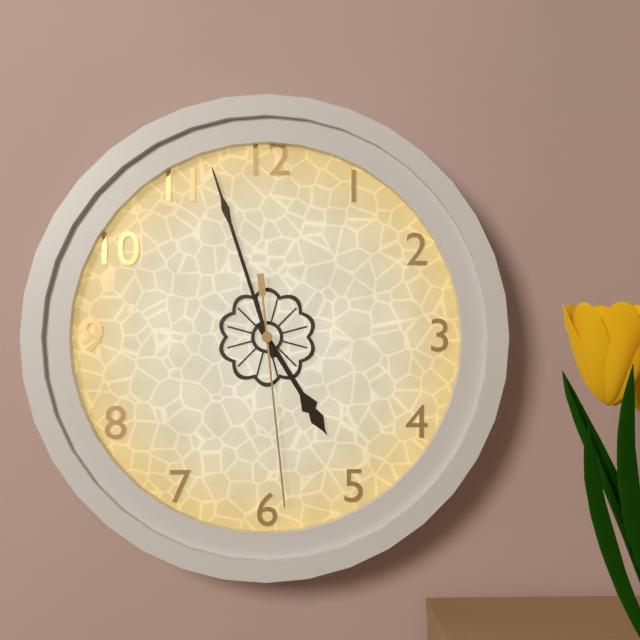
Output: **4:57:29**
